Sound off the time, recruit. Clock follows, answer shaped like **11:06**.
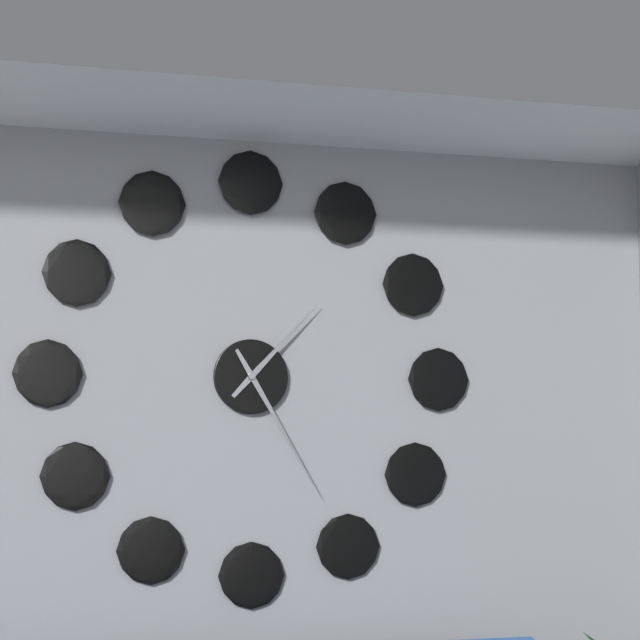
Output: **1:25**
